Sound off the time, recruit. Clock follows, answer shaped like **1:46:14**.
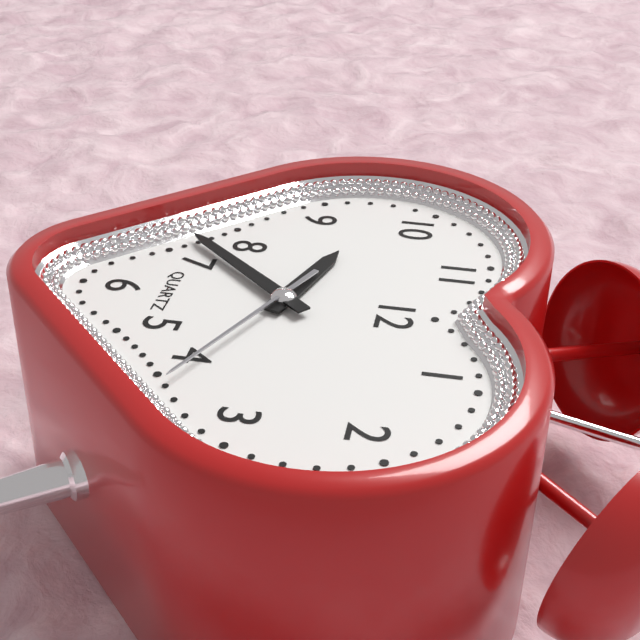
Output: **9:37:19**
